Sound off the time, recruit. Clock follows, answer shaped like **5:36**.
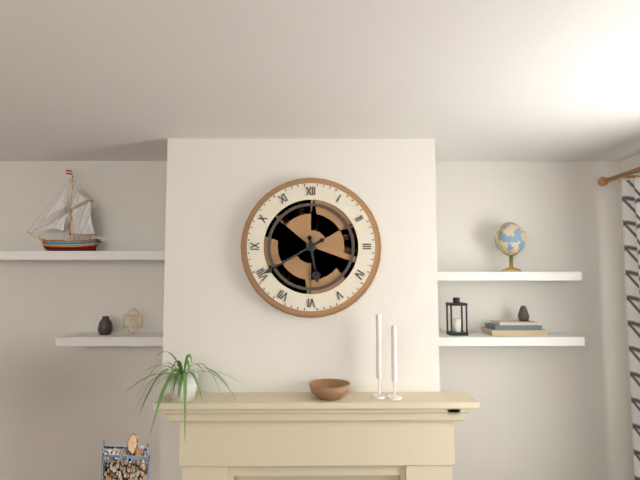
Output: **5:40**
